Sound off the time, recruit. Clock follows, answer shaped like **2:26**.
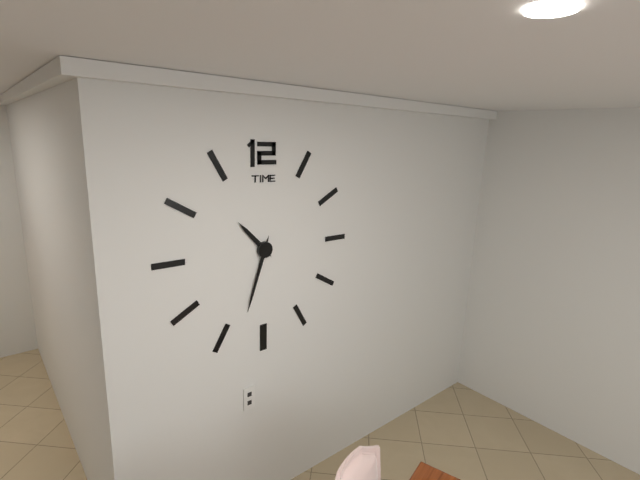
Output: **10:33**
